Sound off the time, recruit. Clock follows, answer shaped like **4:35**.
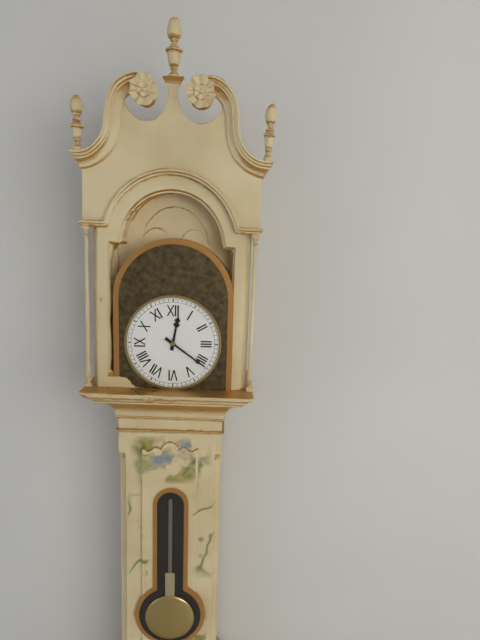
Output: **12:21**
